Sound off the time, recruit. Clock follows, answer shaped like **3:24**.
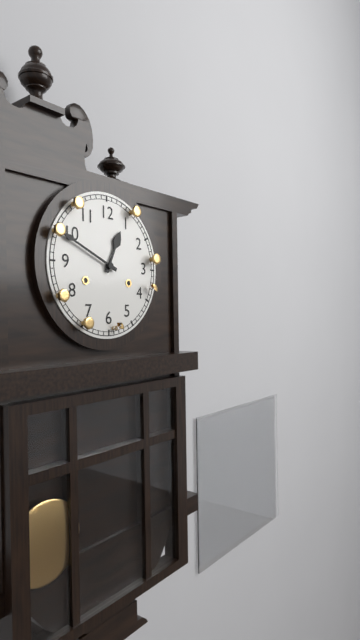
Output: **12:49**
